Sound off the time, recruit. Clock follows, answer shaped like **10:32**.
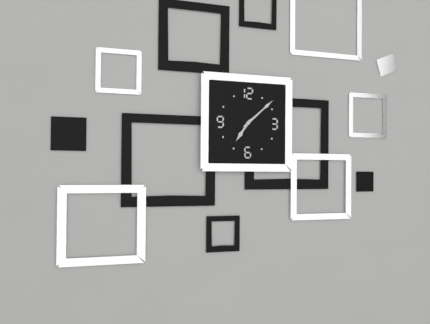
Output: **7:08**
